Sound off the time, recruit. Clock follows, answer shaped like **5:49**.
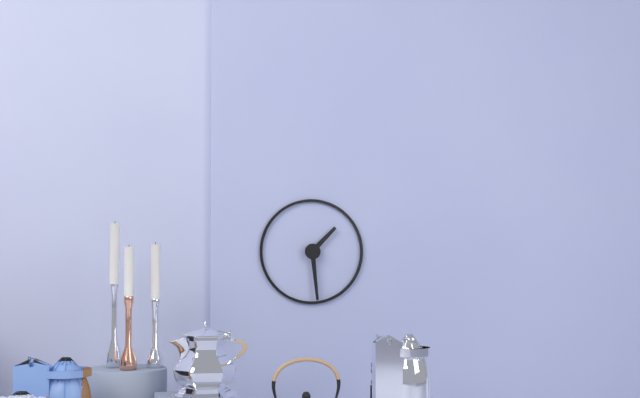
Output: **1:29**
